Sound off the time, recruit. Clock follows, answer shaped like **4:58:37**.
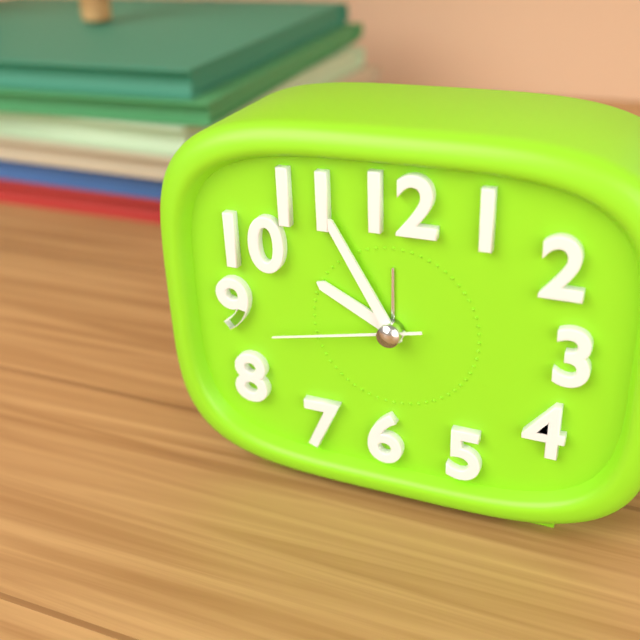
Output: **9:55:43**
